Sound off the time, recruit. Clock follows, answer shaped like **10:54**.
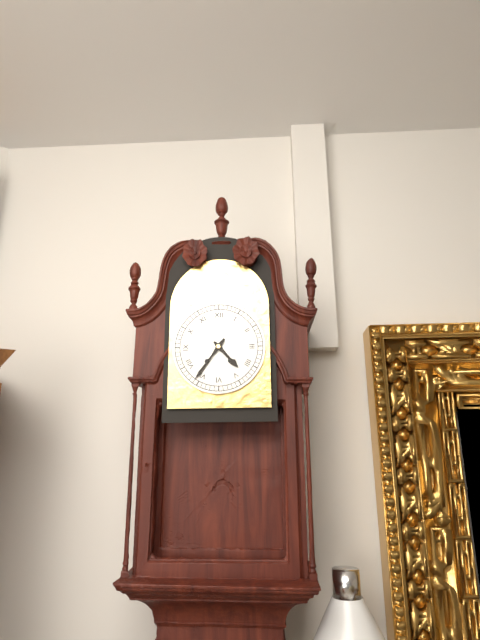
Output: **4:36**
